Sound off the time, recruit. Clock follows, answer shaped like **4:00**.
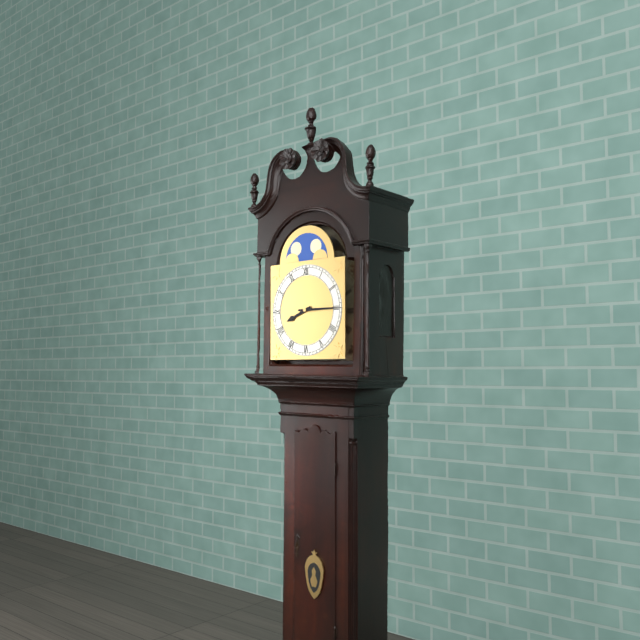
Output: **8:15**
